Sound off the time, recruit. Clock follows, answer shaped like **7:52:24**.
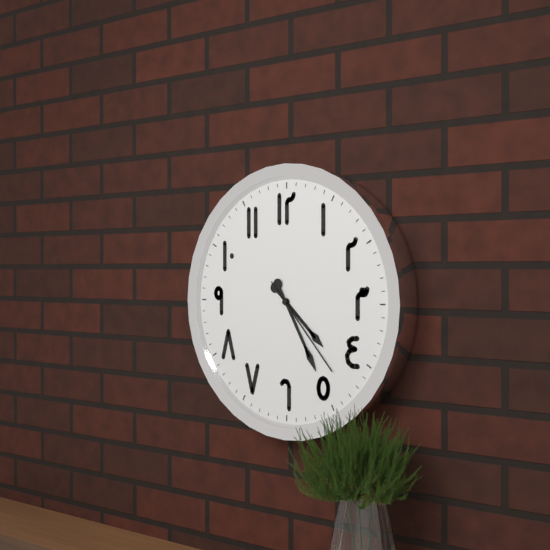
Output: **4:25:23**
